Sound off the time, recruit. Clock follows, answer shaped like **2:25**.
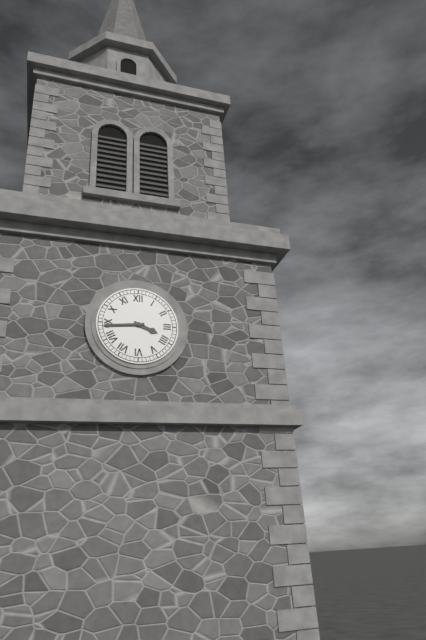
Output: **3:44**
